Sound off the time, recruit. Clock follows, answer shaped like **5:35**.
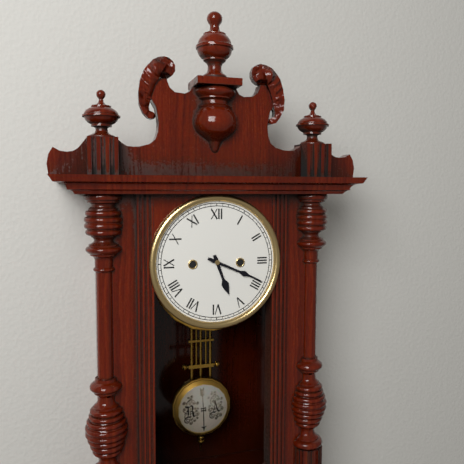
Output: **5:19**
